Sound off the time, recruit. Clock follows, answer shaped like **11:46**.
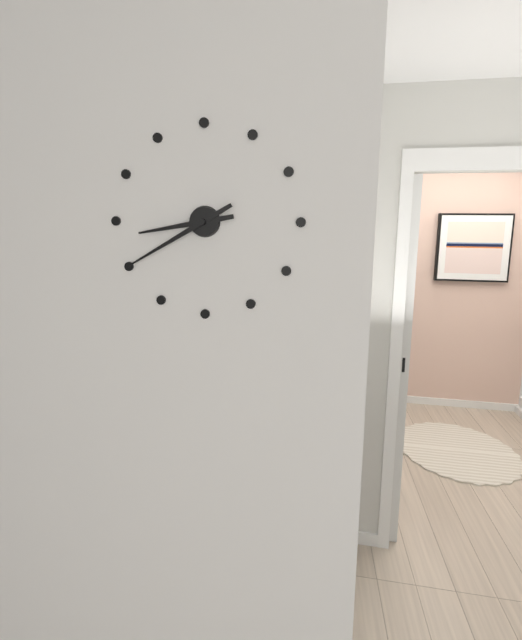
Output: **8:40**
